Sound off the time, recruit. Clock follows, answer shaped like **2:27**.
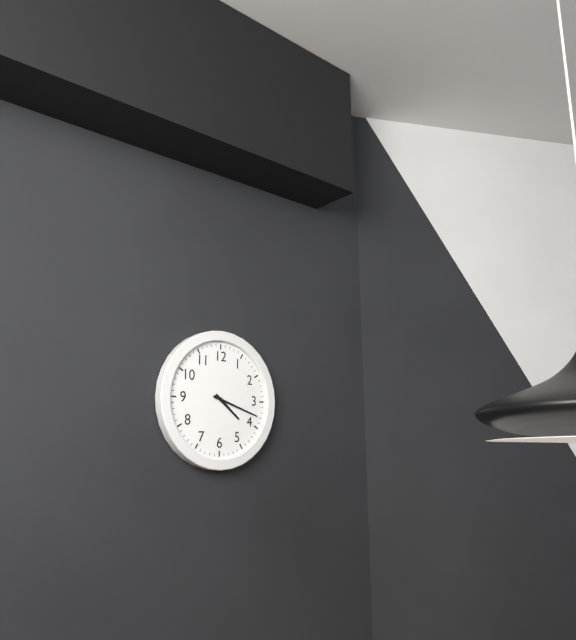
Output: **4:18**
